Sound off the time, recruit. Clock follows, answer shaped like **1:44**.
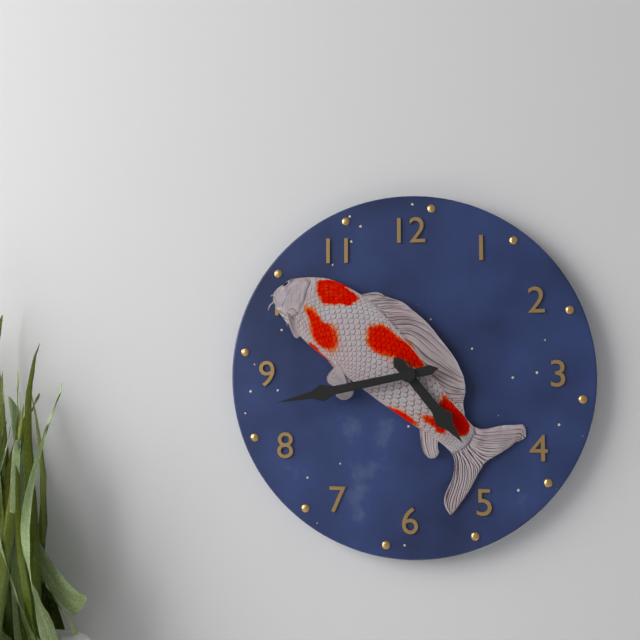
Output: **4:43**
